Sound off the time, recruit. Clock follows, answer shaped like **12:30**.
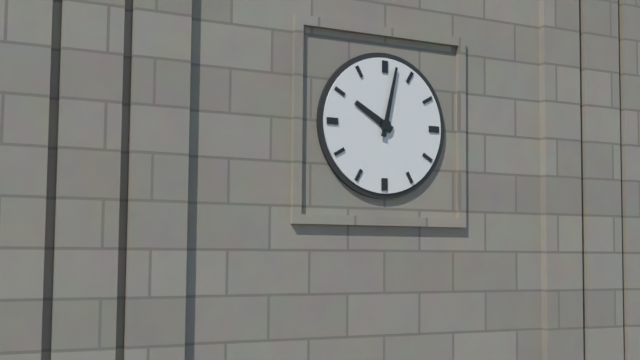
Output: **10:02**
